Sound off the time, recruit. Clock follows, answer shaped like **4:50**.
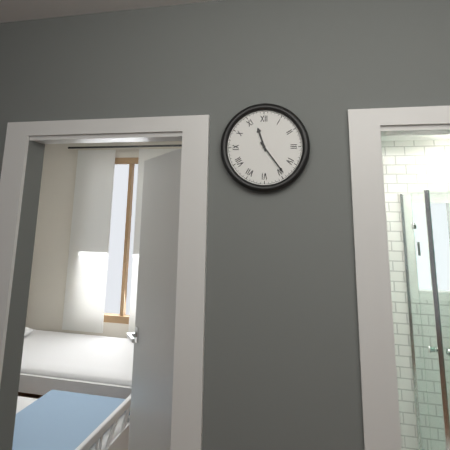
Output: **11:24**
